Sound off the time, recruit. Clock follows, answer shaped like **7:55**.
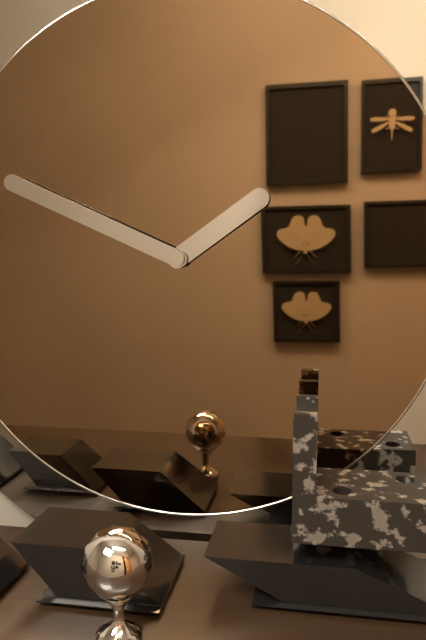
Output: **1:49**
